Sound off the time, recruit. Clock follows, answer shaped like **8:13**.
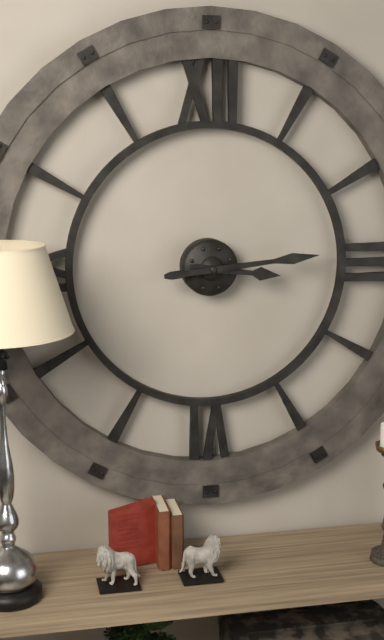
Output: **3:14**
